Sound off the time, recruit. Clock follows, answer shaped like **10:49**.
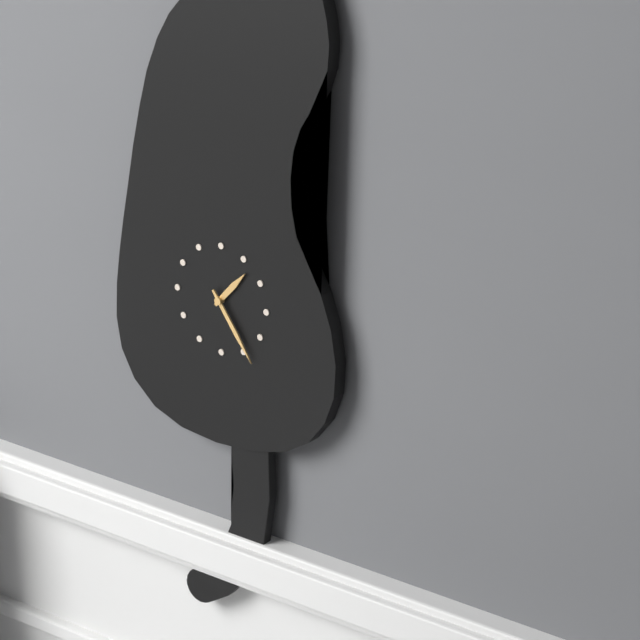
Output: **1:24**
